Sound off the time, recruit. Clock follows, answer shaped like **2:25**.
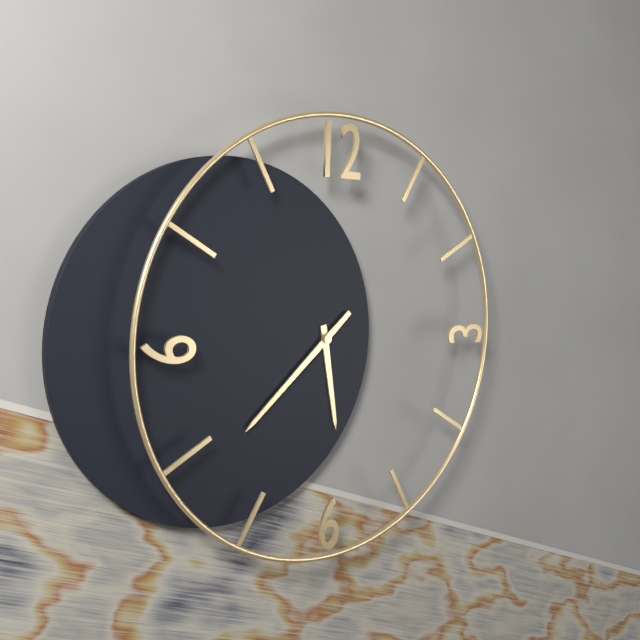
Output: **5:38**
